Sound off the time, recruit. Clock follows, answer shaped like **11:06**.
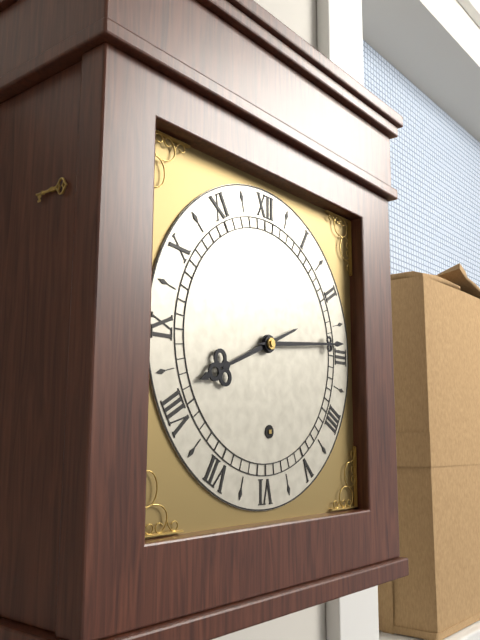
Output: **8:14**
